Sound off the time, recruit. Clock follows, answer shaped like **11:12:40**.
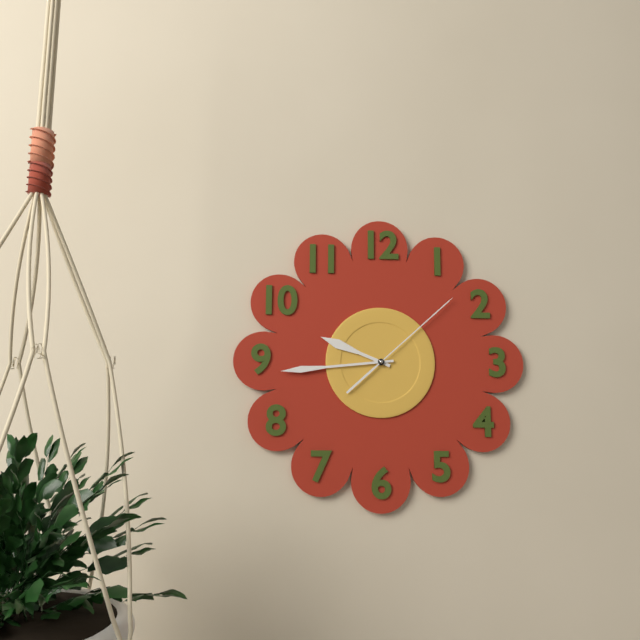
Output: **9:44:08**
